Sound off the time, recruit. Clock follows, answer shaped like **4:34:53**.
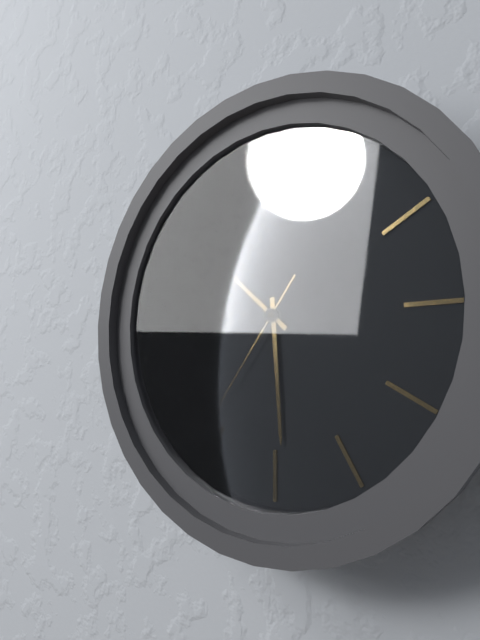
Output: **5:52:36**
